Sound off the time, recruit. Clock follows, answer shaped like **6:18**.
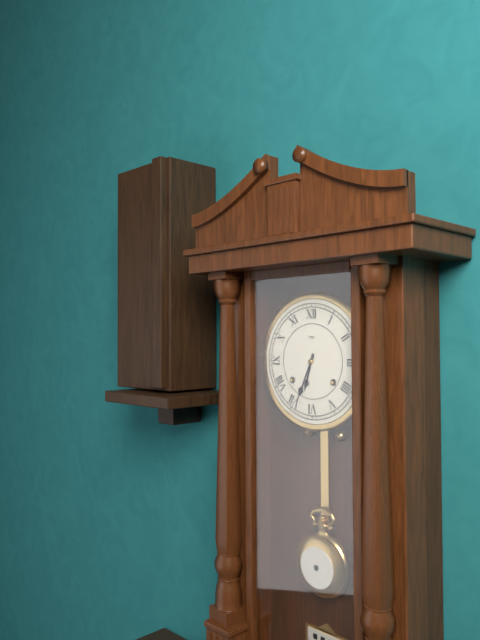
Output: **6:34**
